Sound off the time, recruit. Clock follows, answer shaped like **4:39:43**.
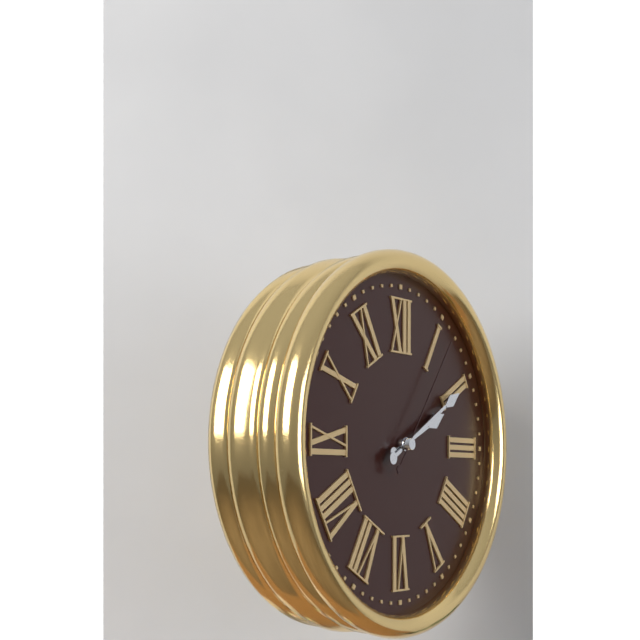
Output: **2:10:06**
